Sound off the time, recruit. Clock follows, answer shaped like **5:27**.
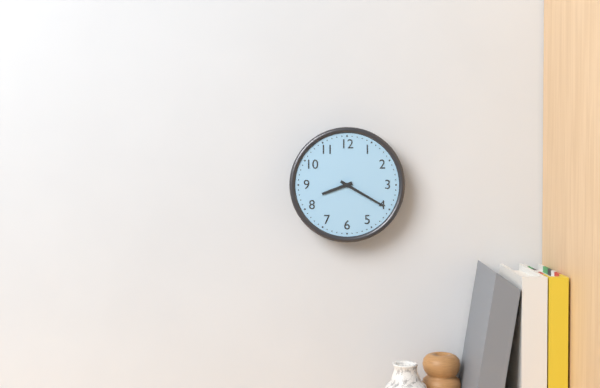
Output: **8:20**
